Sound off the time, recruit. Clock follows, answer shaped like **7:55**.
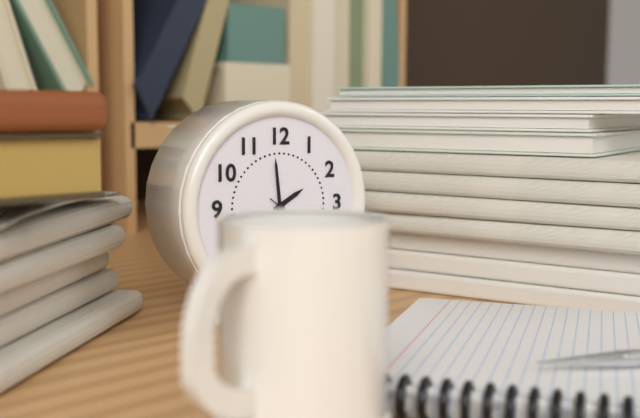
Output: **1:59**
